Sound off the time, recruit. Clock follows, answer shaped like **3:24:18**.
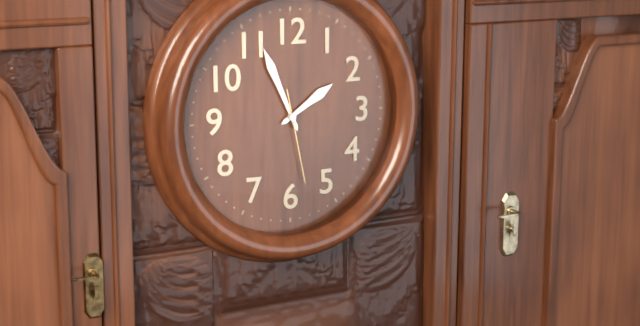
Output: **1:56:28**
